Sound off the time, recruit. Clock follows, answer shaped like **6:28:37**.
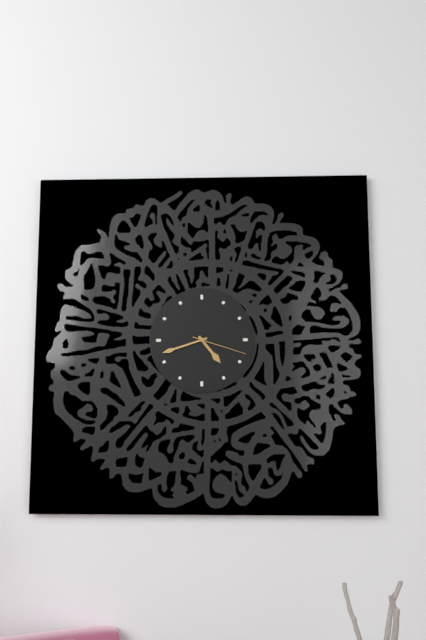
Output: **4:42:18**
